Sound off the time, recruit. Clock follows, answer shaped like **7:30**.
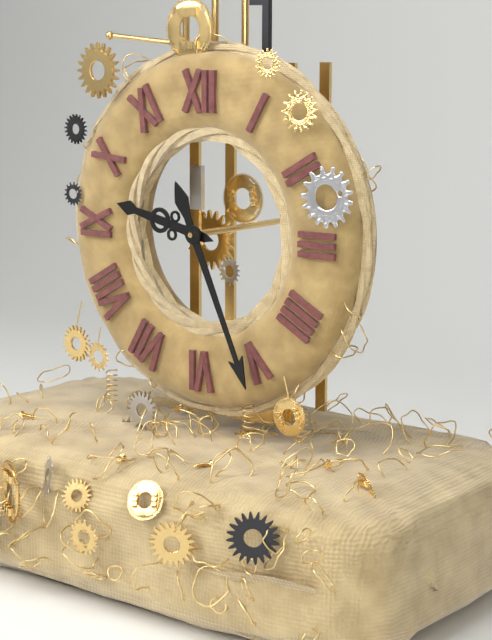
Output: **9:26**
